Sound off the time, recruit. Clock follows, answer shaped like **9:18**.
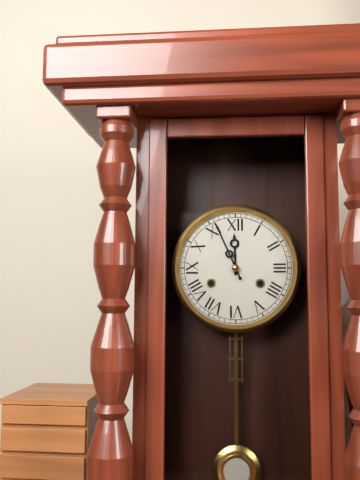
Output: **11:56**
